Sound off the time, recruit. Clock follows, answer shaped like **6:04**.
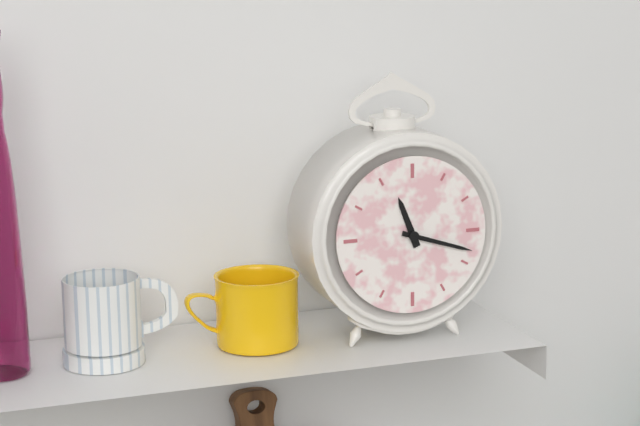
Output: **11:18**
